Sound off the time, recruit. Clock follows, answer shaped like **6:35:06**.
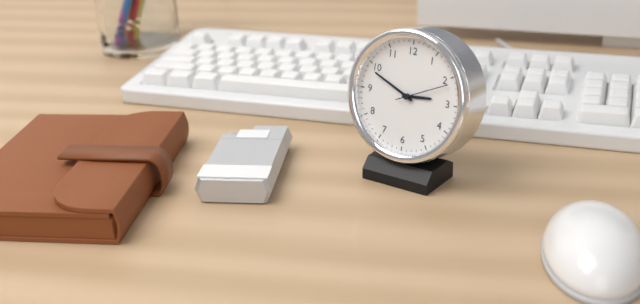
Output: **2:49:11**
